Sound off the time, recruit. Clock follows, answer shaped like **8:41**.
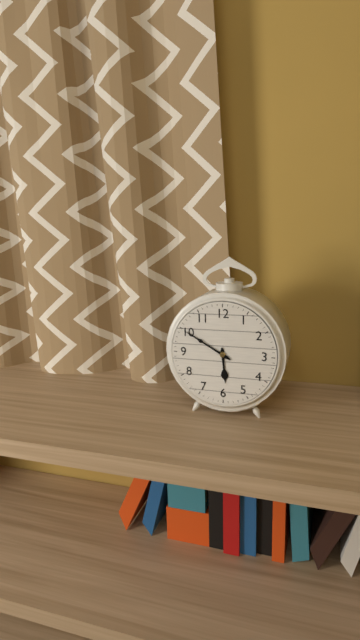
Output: **5:50**
